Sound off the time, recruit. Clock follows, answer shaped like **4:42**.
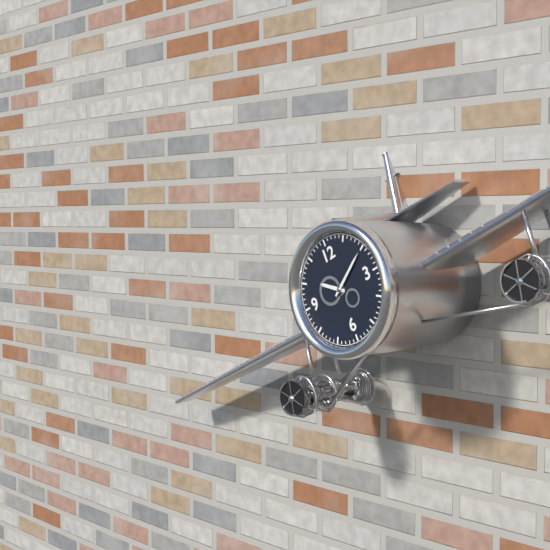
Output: **10:10**
